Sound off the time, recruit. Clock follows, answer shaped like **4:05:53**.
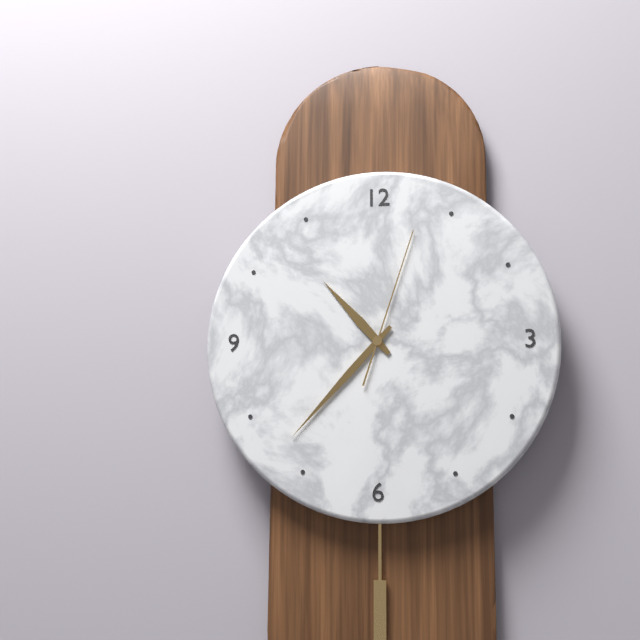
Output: **10:37:03**
